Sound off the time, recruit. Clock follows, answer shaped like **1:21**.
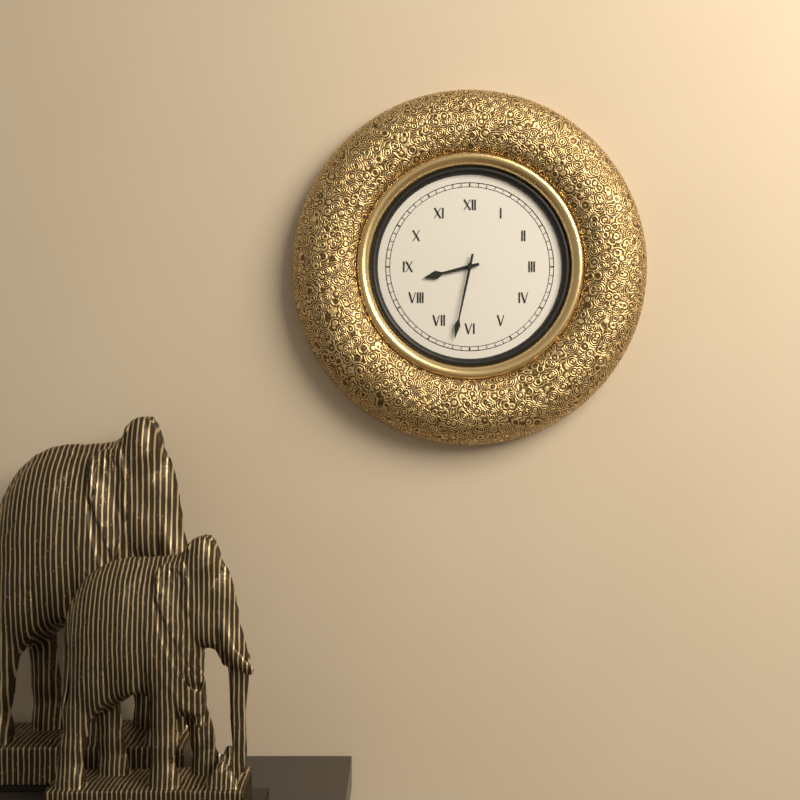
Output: **8:32**
